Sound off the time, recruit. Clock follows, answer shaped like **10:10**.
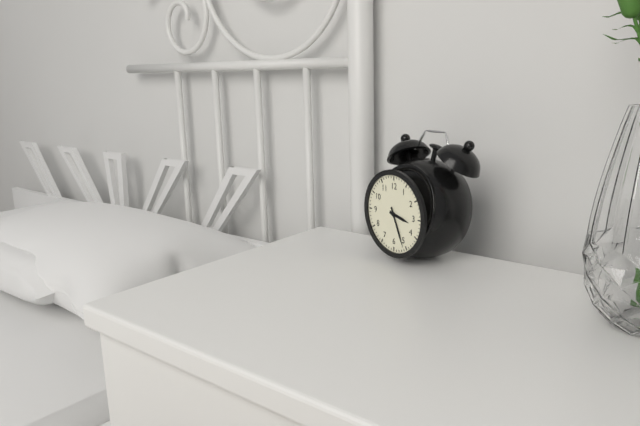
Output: **3:26**
